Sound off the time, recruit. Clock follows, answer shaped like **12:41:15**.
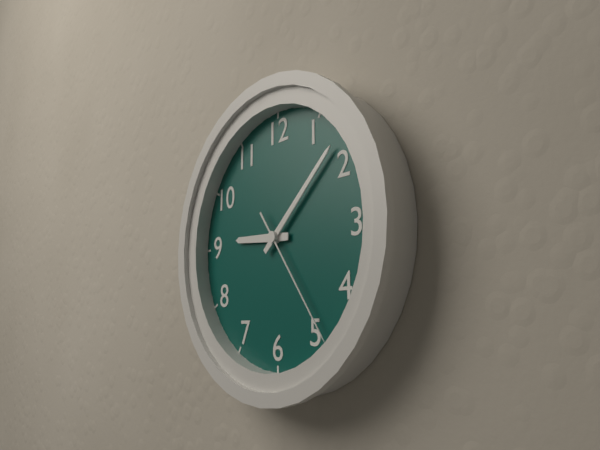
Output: **9:08:24**
